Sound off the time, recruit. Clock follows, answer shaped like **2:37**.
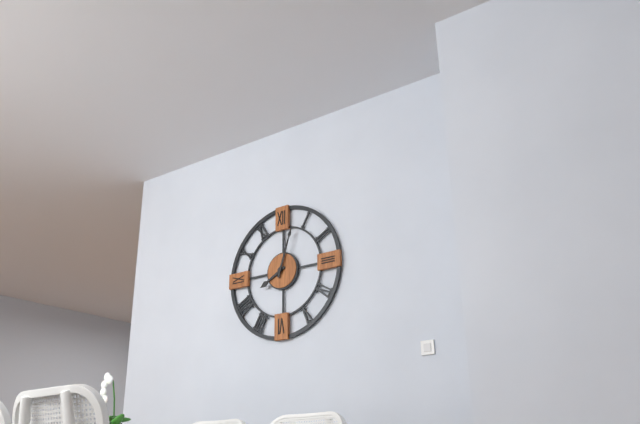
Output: **8:03**
